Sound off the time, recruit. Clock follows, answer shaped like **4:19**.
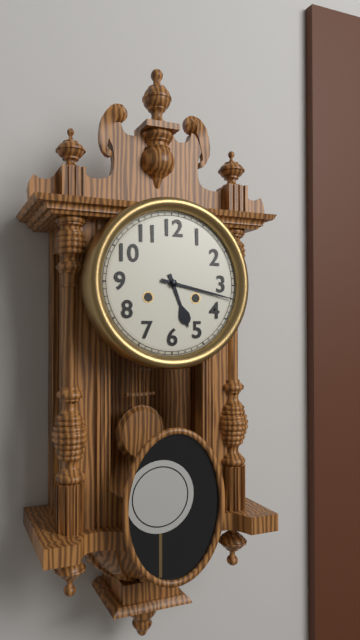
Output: **5:17**
